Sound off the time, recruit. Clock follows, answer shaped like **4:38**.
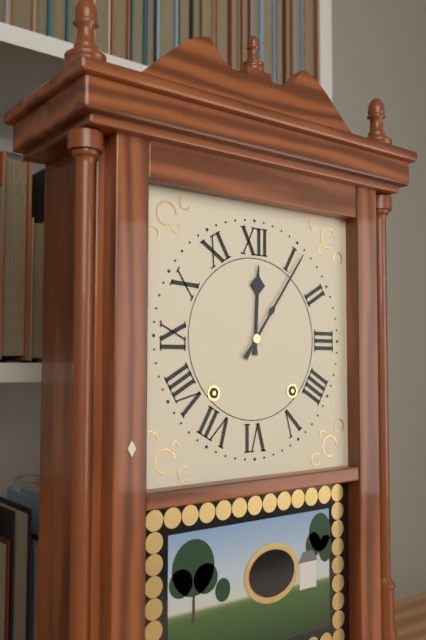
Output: **12:06**
